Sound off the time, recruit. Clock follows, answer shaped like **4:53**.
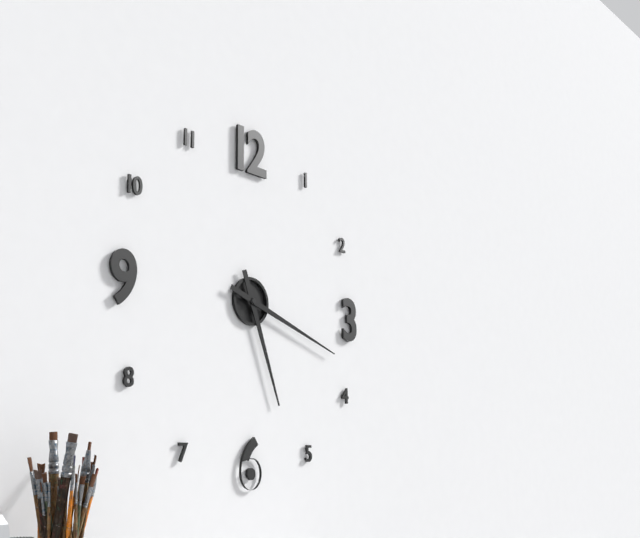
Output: **5:18**
